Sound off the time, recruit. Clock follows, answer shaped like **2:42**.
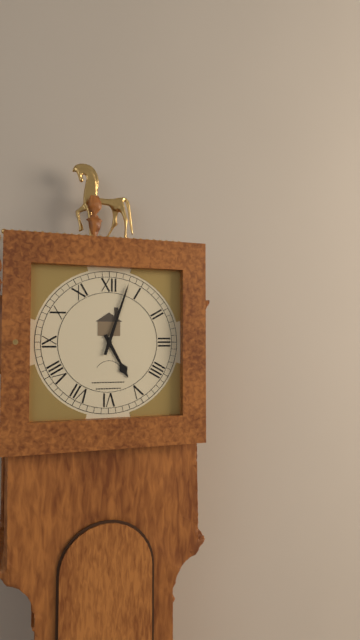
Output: **5:03**
